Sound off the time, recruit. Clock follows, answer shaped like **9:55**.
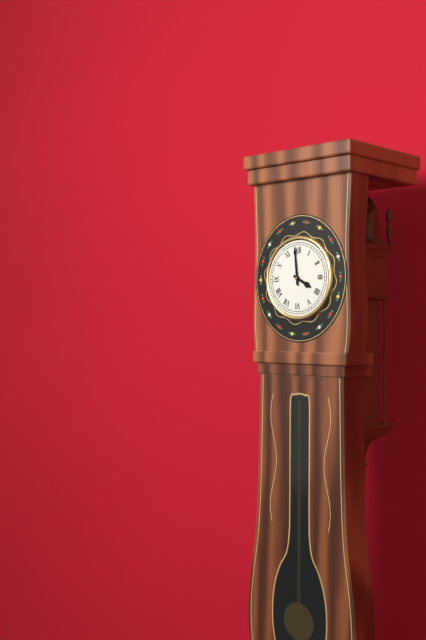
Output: **3:59**
